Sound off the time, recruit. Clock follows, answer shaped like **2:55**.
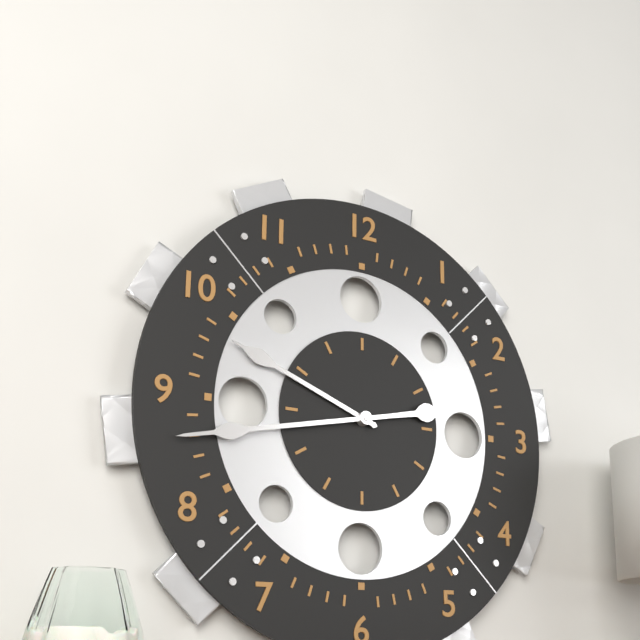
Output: **9:43**
